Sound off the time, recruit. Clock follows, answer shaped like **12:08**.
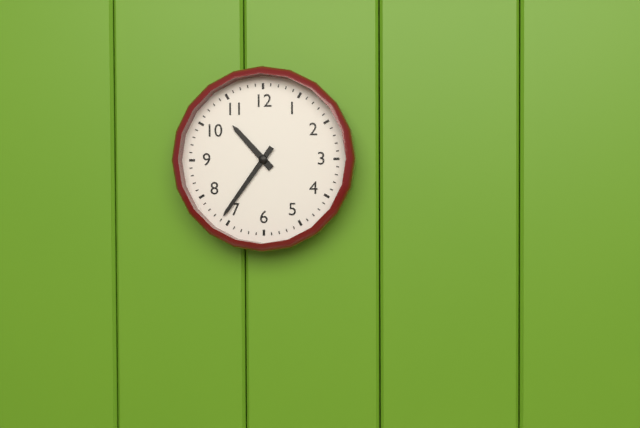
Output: **10:36**
